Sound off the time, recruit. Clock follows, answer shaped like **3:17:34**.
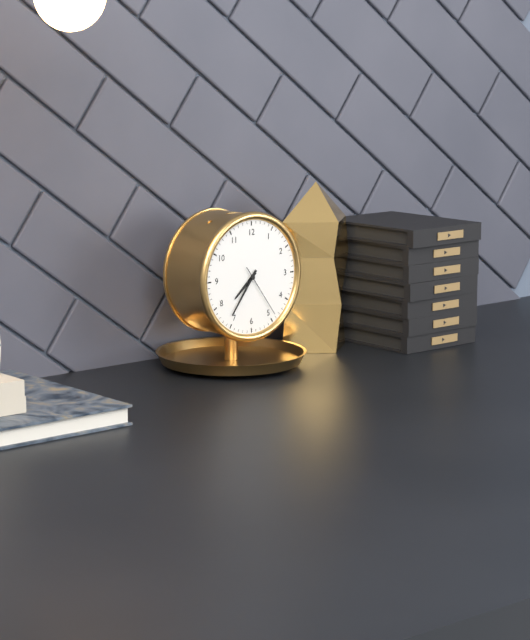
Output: **7:36:24**
